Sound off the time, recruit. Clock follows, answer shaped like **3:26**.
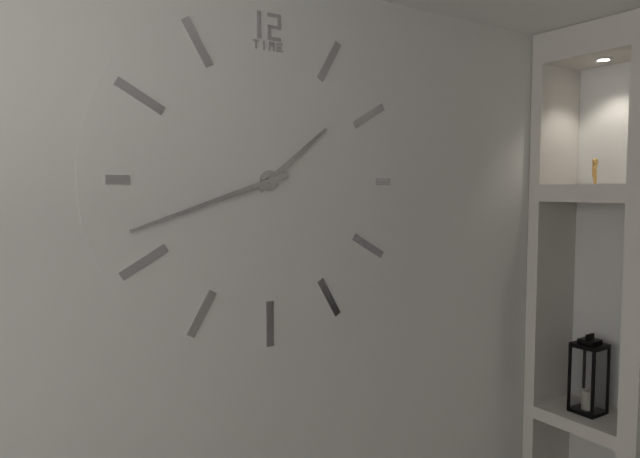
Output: **1:42**
